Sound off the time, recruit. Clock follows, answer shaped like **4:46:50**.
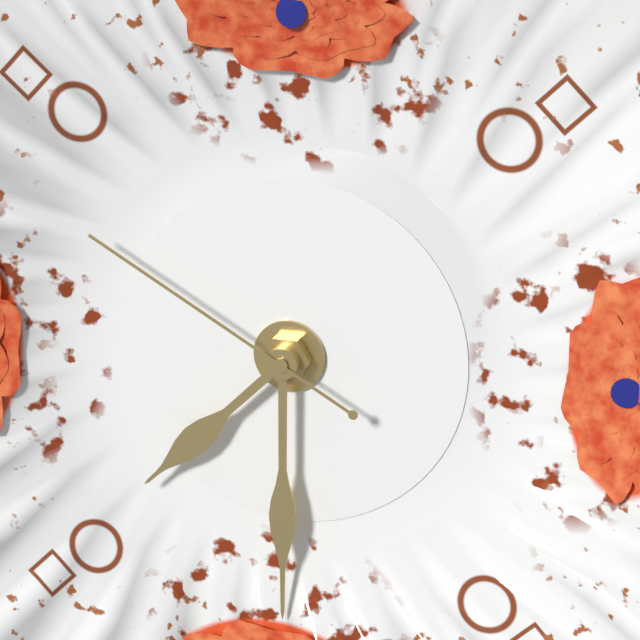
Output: **7:30:50**
